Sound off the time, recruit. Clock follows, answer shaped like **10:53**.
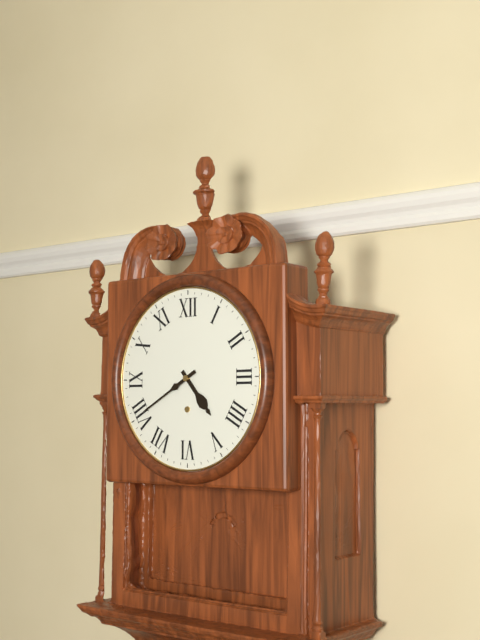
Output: **4:40**
